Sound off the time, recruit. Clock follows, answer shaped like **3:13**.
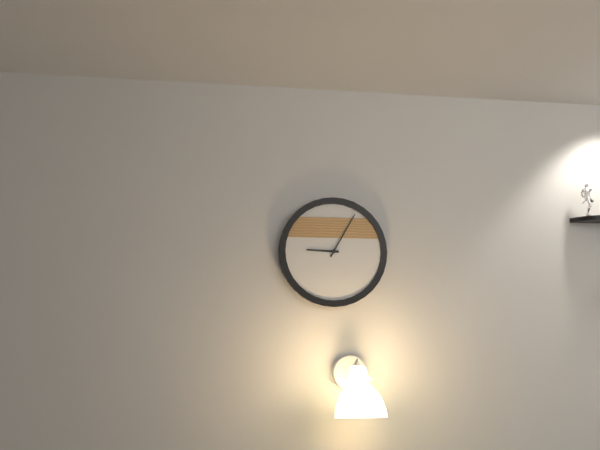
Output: **9:05**
